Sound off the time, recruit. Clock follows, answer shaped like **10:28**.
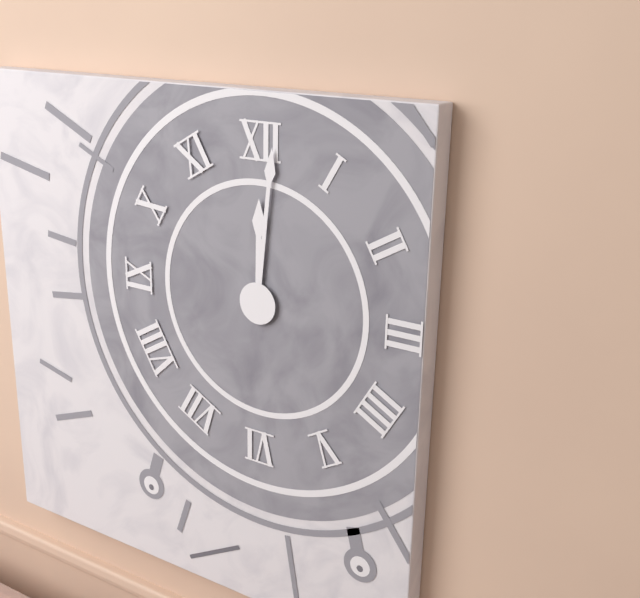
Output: **12:01**
